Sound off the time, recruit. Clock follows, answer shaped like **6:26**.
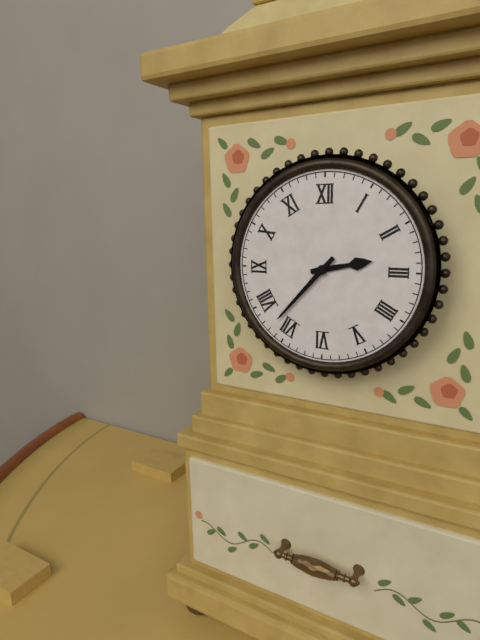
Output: **2:37**
